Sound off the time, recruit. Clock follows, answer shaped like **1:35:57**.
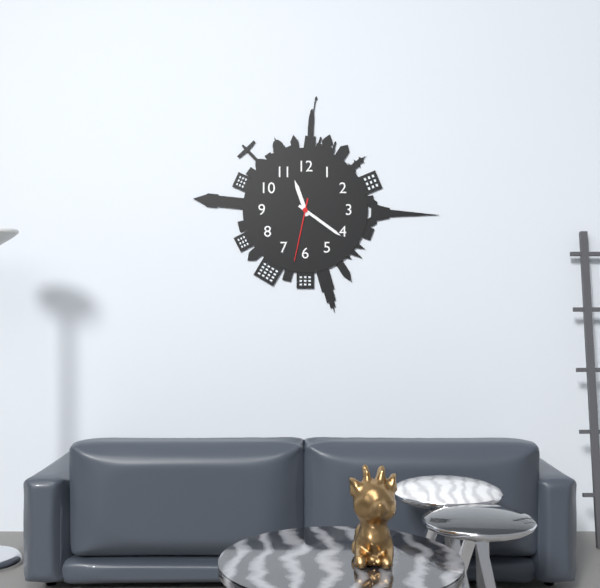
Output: **11:21:32**
